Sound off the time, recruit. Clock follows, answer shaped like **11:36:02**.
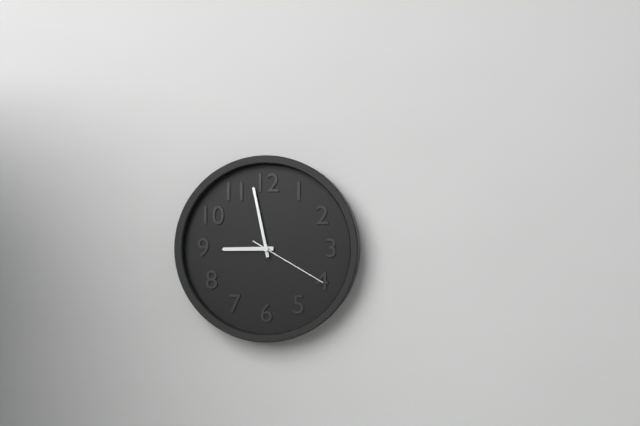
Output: **8:58:20**
